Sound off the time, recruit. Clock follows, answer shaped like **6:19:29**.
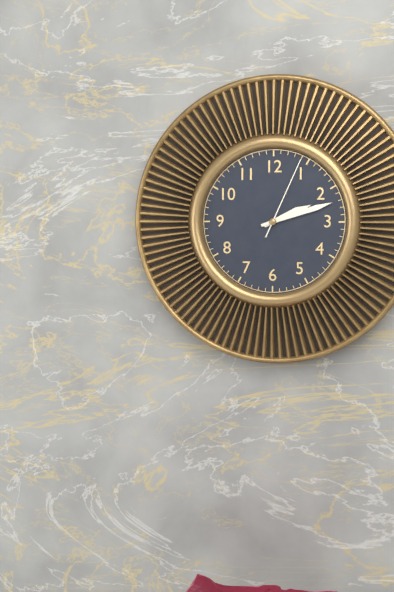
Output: **2:12:04**
